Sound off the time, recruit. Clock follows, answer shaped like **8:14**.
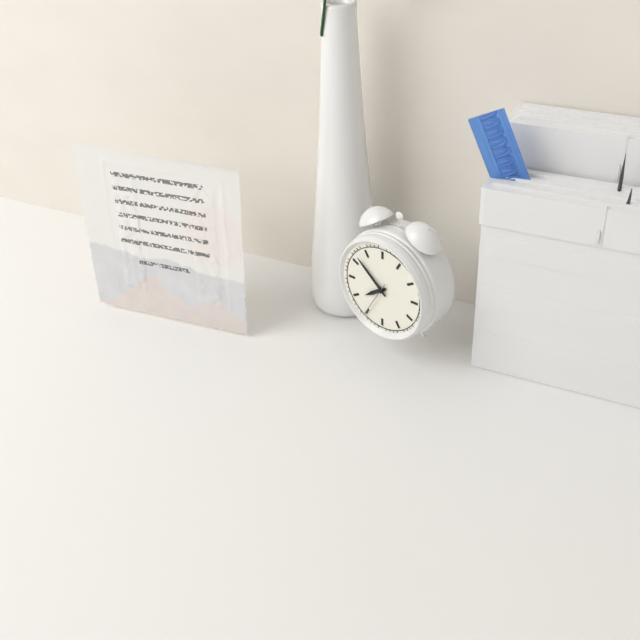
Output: **7:52**
